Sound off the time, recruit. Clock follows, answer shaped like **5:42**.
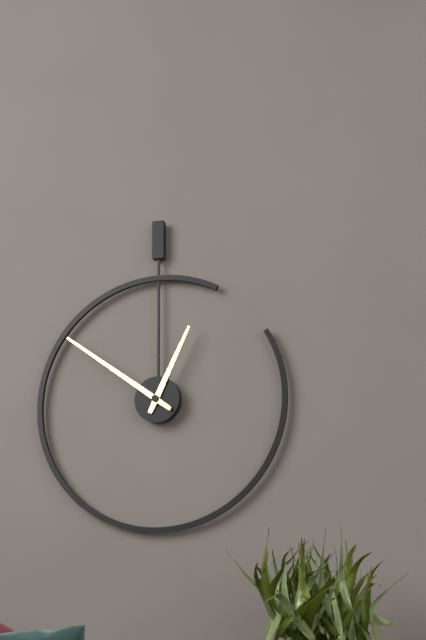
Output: **12:51**
